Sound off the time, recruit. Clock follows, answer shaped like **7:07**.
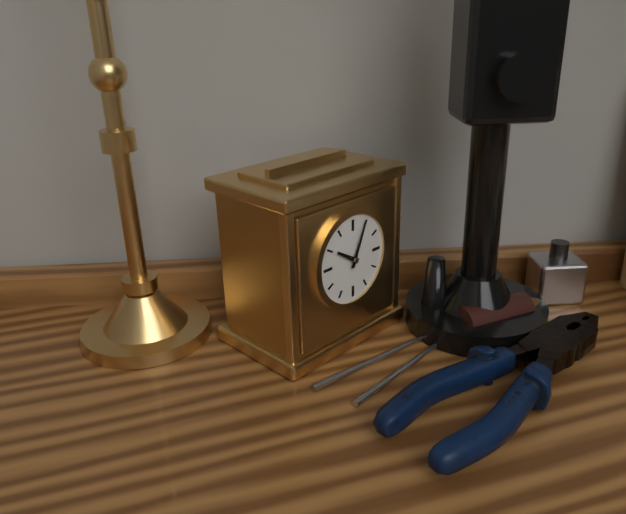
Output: **10:04**
